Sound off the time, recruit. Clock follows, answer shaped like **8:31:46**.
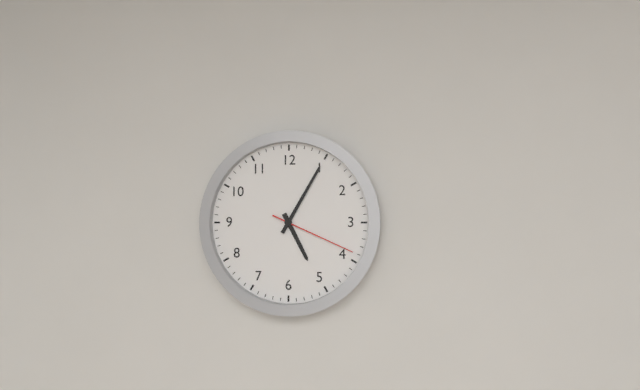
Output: **5:05:19**
